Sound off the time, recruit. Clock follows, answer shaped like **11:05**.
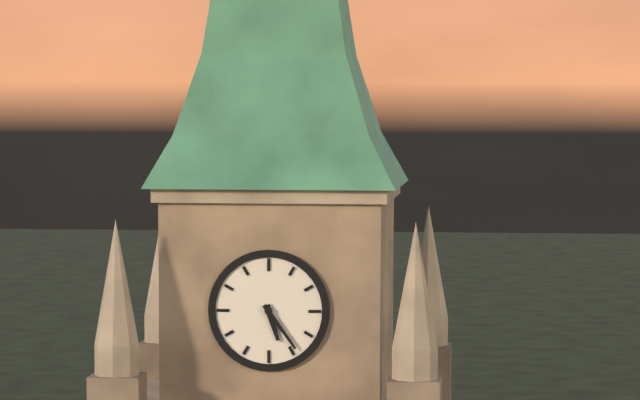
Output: **5:24**
